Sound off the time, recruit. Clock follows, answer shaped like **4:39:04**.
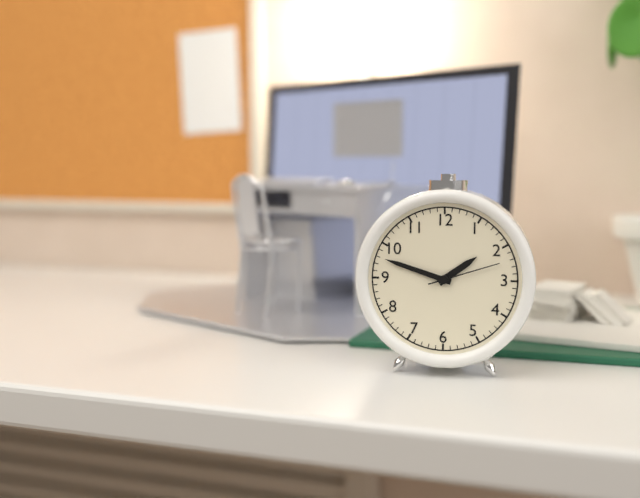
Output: **1:48:12**
